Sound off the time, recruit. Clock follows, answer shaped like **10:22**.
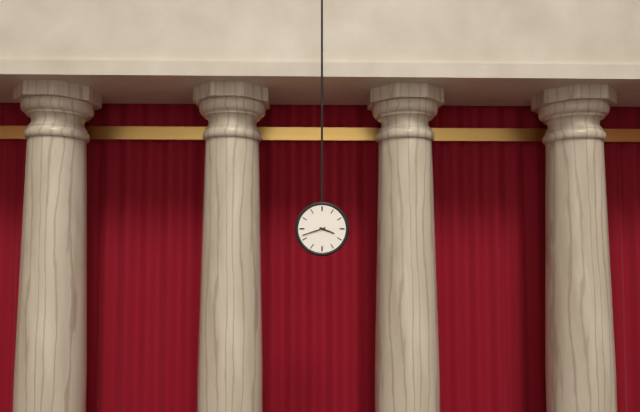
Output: **3:42**
